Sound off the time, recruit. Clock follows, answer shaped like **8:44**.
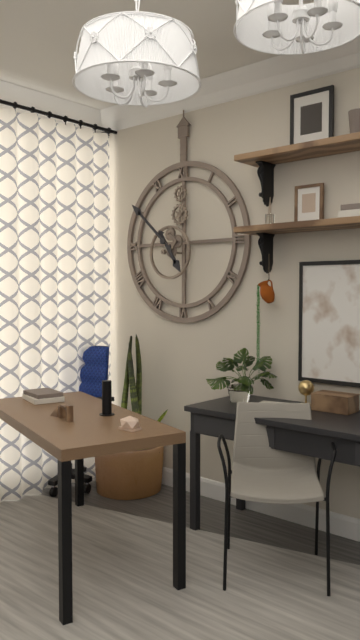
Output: **4:52**
